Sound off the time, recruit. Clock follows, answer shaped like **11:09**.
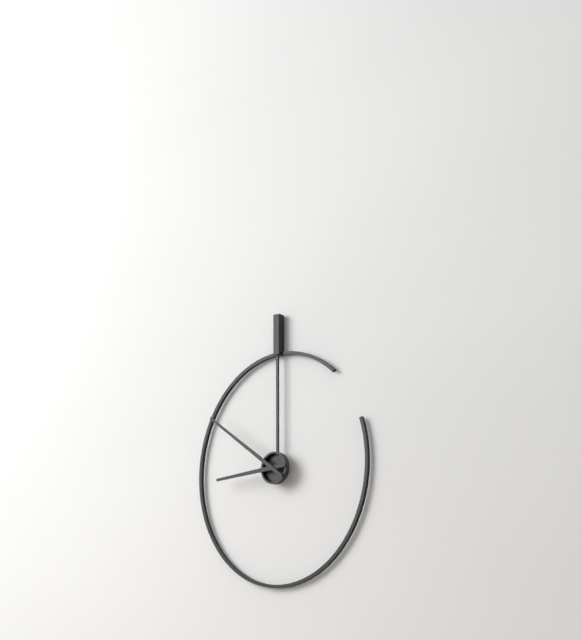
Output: **8:51**
